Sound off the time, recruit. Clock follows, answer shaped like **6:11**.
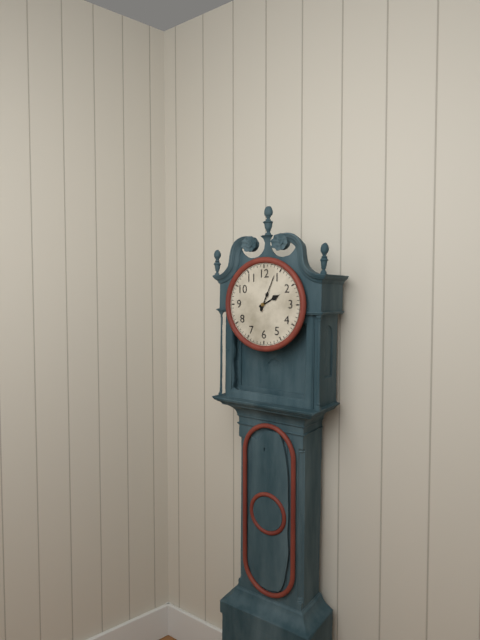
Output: **2:04**
